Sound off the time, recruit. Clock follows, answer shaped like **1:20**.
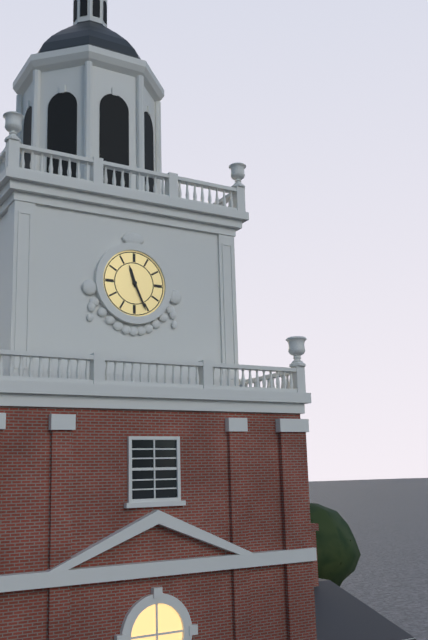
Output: **11:26**
